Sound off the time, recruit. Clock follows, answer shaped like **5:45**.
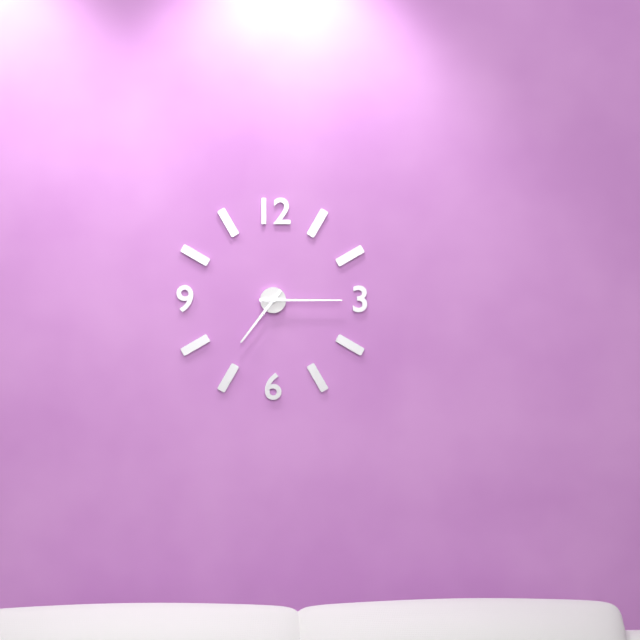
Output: **7:15**
